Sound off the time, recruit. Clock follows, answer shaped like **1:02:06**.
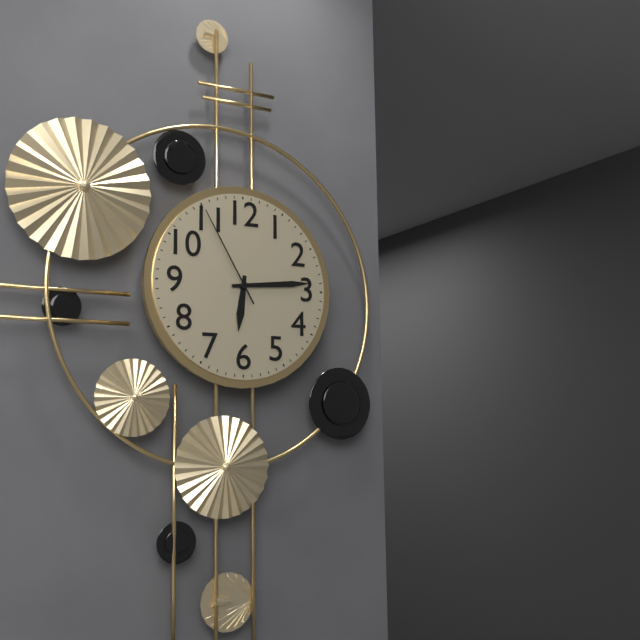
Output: **6:14:55**
